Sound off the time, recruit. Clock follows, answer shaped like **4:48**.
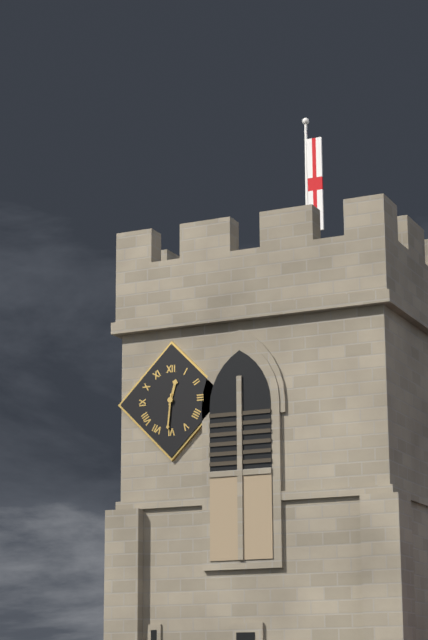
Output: **12:31**
